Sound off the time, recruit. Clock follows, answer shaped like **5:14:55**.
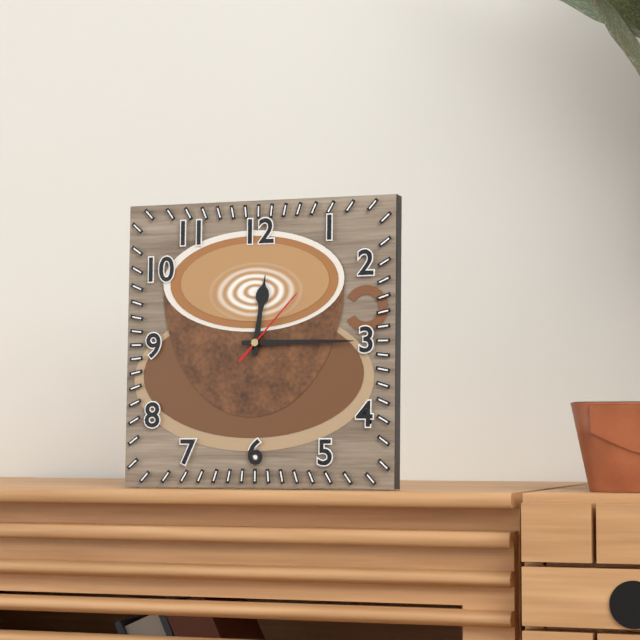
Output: **12:15:07**
